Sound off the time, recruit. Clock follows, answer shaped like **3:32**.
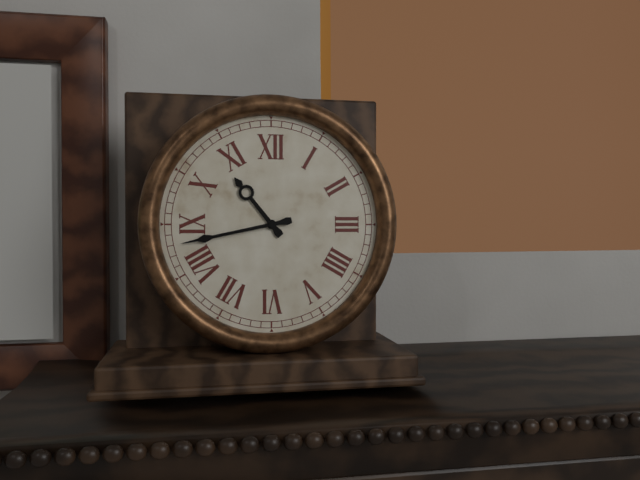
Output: **10:43**
